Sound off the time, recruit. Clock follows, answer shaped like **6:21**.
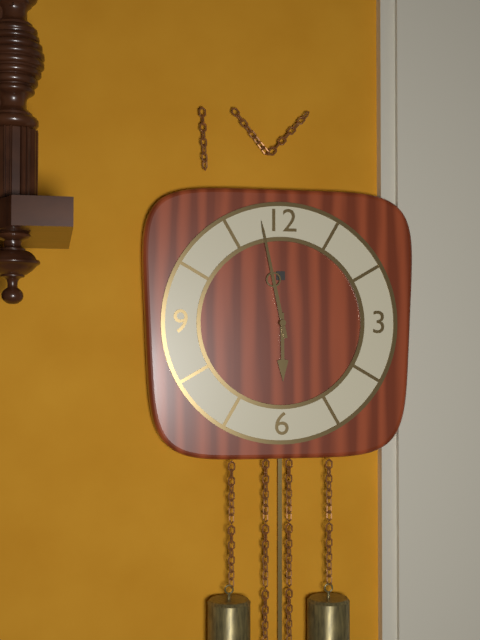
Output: **5:58**
